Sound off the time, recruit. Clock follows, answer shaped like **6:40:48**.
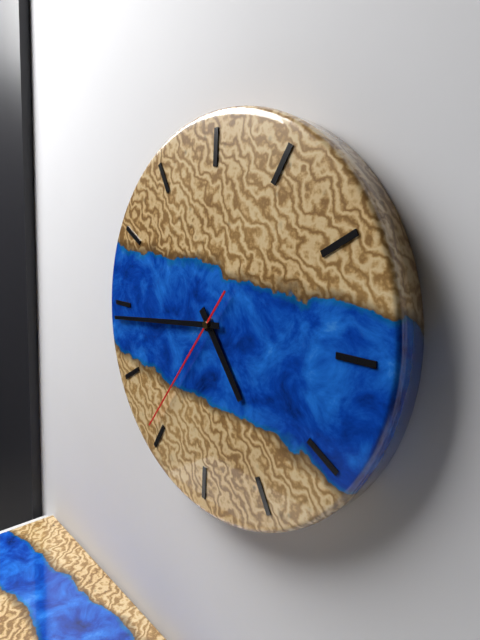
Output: **4:44:36**
